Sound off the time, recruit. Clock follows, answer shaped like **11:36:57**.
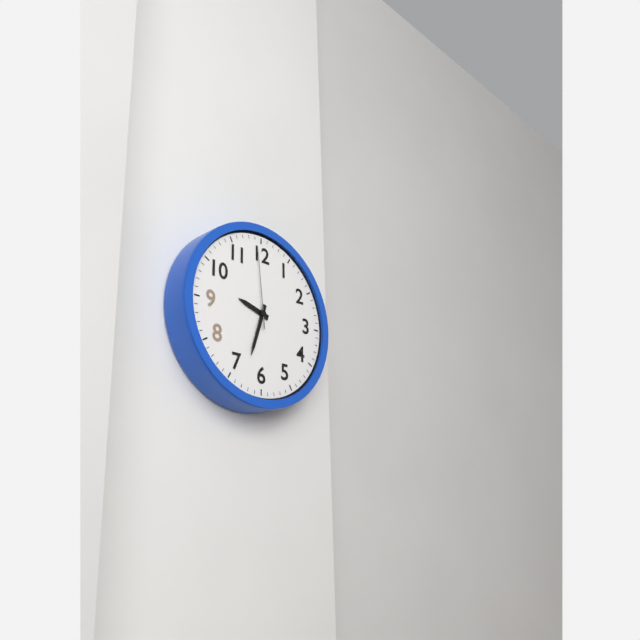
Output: **9:33:59**
